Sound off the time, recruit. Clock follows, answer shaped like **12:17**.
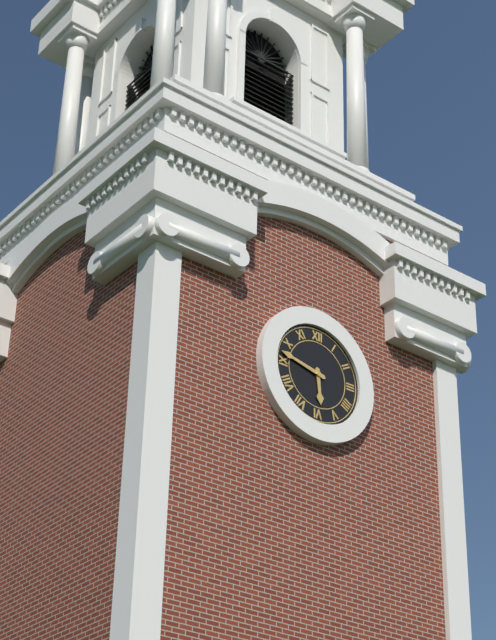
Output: **5:47**
